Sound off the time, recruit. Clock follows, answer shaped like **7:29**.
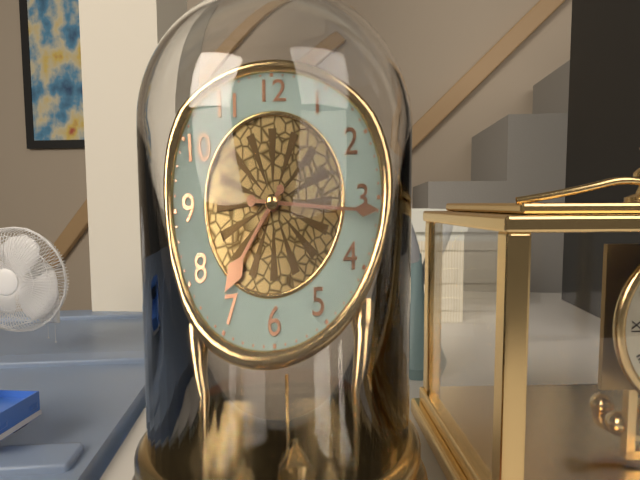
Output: **7:16**
